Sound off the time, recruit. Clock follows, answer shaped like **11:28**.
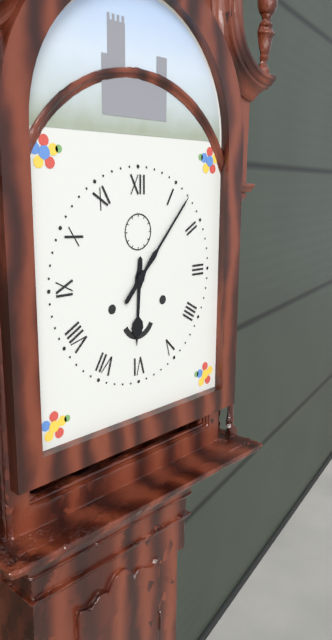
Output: **6:07**
